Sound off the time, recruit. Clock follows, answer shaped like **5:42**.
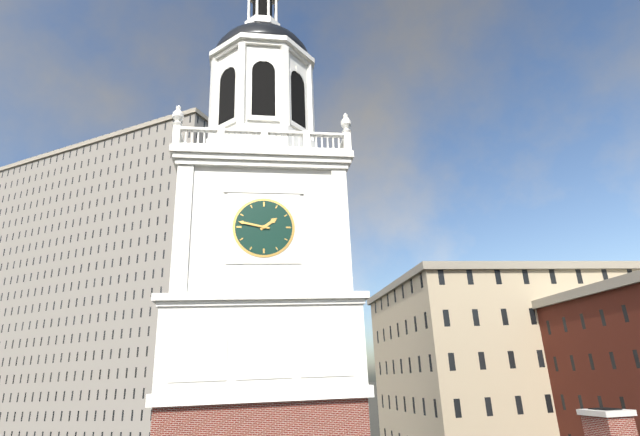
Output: **1:47**
